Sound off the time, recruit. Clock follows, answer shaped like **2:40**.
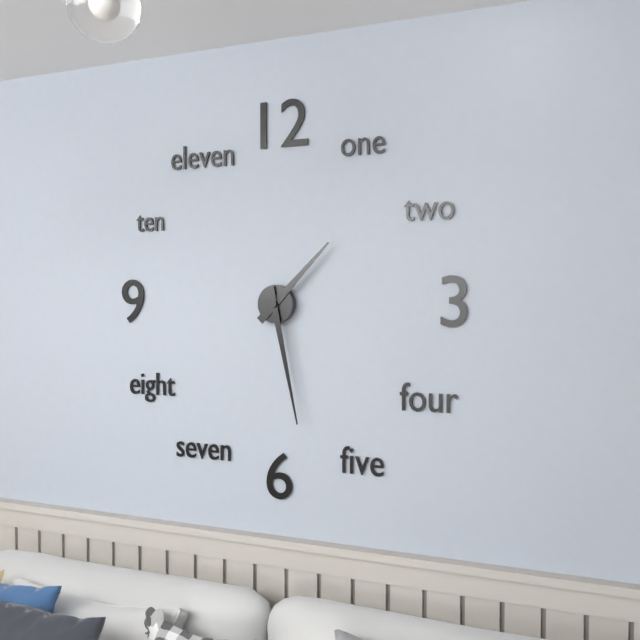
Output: **1:28**
